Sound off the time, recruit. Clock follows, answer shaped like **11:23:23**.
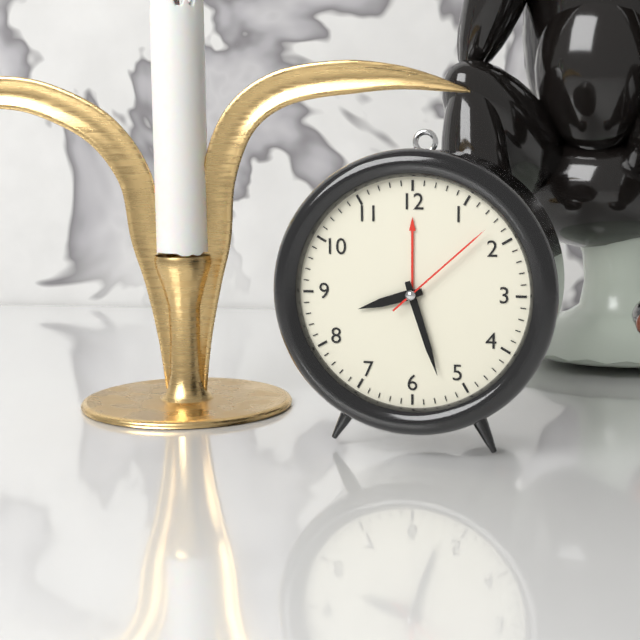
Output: **8:27:08**
